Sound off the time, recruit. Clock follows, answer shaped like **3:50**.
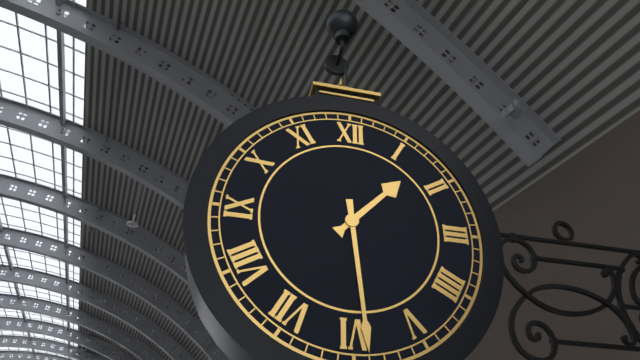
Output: **1:29**
